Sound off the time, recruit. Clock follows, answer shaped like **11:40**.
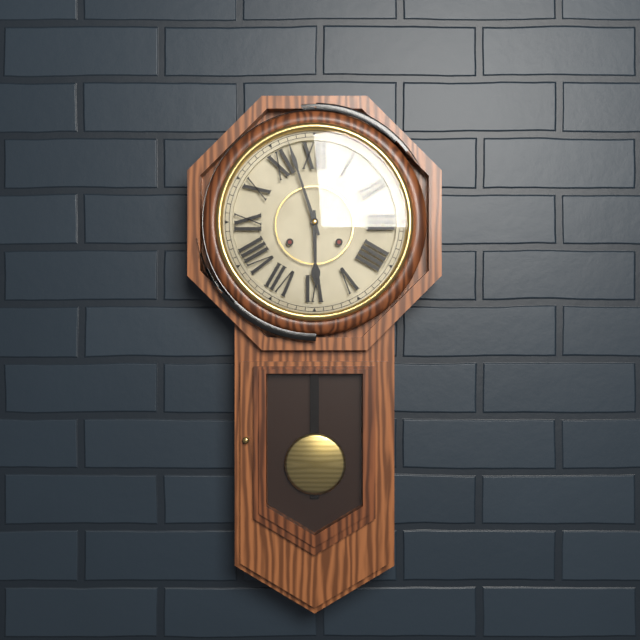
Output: **5:57**
